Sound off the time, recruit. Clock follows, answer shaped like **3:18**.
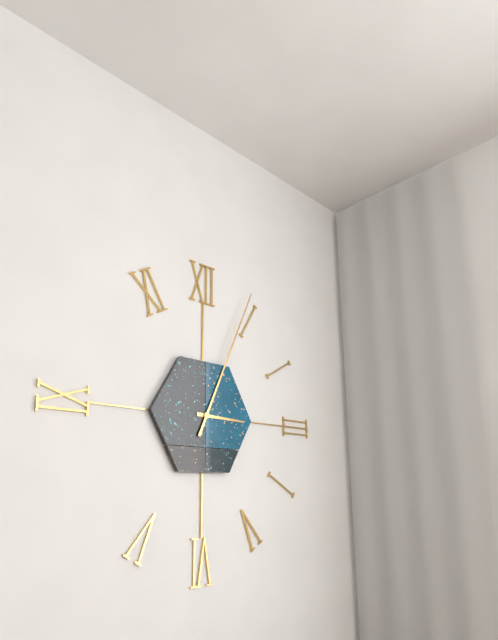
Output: **3:04**
